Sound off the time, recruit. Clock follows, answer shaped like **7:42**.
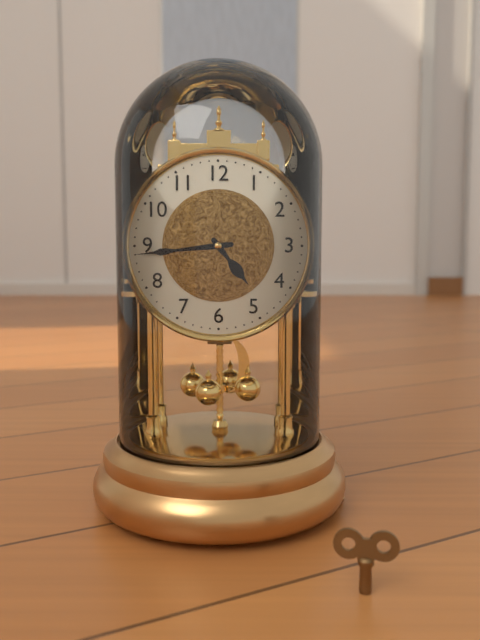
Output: **4:44**
